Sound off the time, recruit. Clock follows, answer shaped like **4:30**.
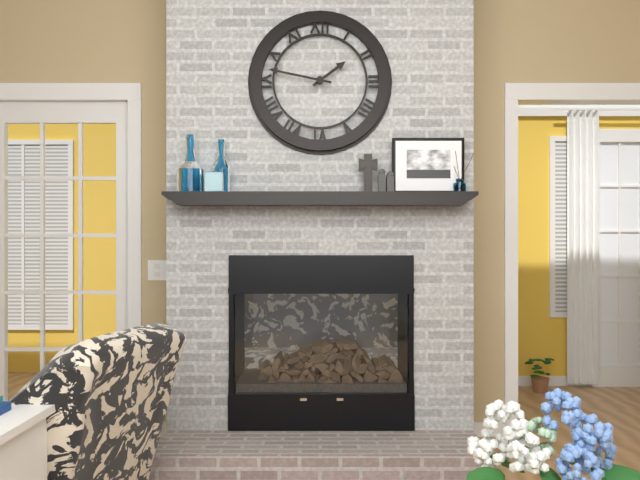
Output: **1:47**
